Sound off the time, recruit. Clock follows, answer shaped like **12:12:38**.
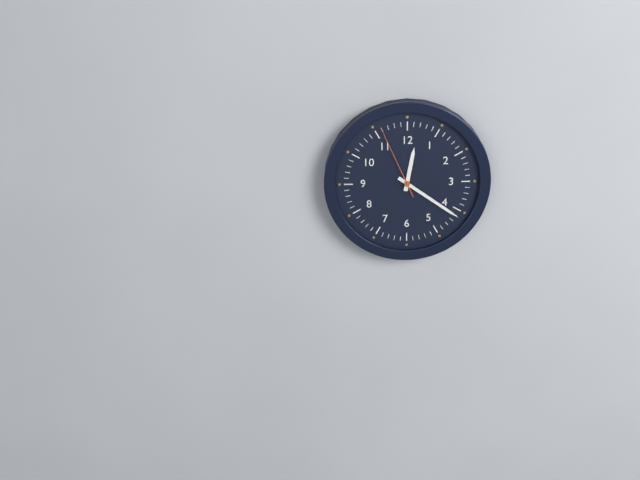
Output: **12:21:56**
